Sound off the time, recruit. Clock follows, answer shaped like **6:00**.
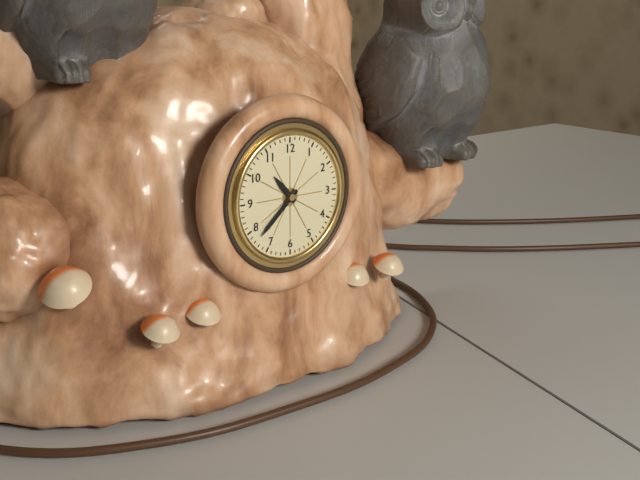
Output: **10:38**
